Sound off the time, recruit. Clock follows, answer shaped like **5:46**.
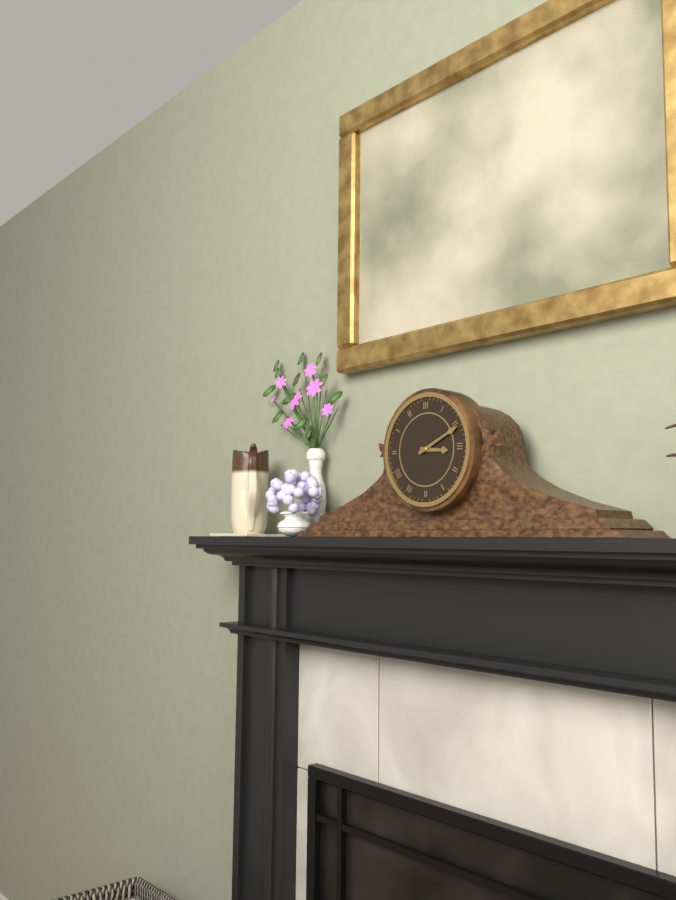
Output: **3:11**
